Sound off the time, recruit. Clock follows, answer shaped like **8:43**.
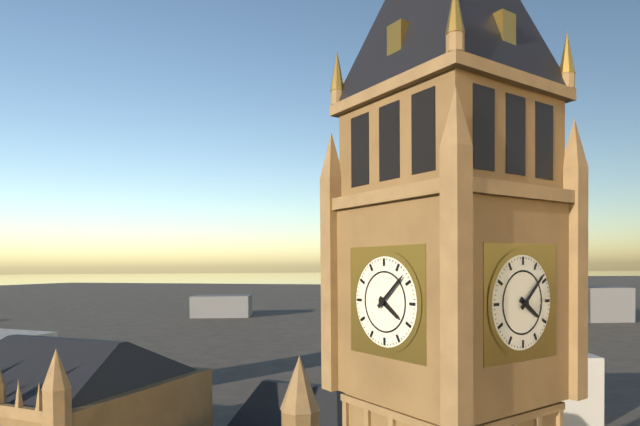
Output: **4:08**
